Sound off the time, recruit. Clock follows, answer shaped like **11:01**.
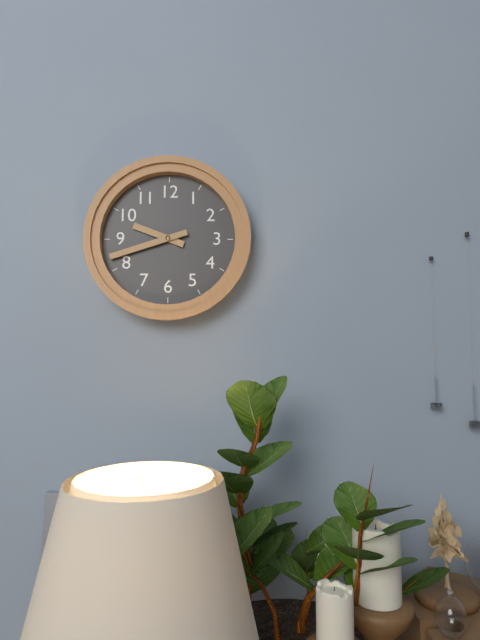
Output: **9:42**
